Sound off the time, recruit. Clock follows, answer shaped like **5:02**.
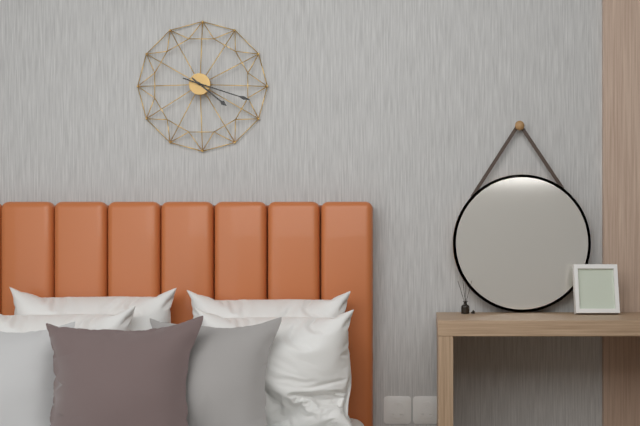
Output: **4:18**
